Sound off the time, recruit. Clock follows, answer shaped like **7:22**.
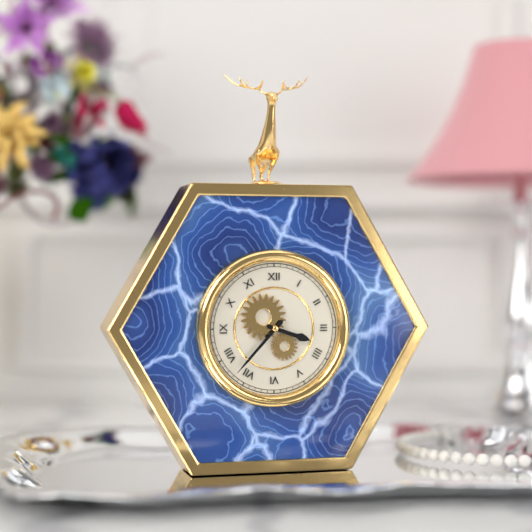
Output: **3:37**
